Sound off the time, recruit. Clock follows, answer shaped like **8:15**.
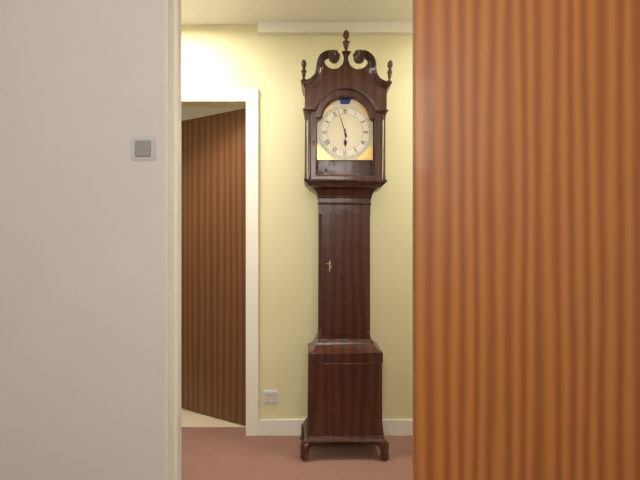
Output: **5:57**
